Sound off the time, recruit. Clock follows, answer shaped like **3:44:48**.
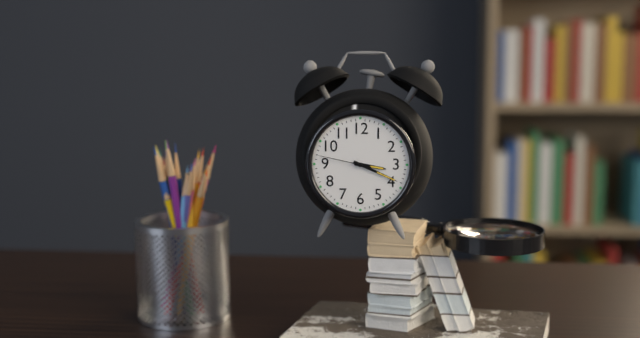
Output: **3:19:47**
